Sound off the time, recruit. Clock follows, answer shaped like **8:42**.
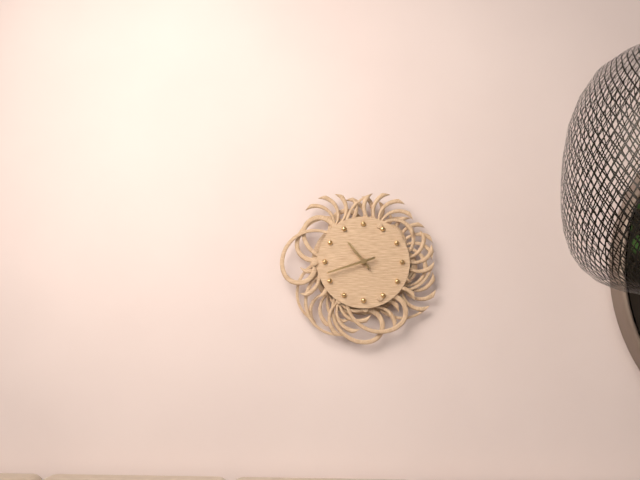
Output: **10:42**
